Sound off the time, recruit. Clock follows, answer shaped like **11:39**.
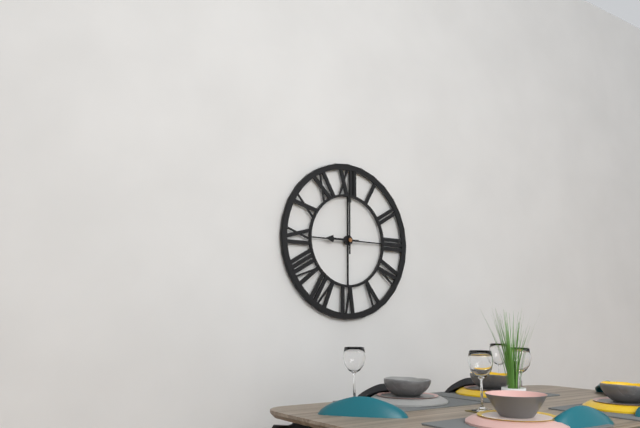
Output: **9:00**
